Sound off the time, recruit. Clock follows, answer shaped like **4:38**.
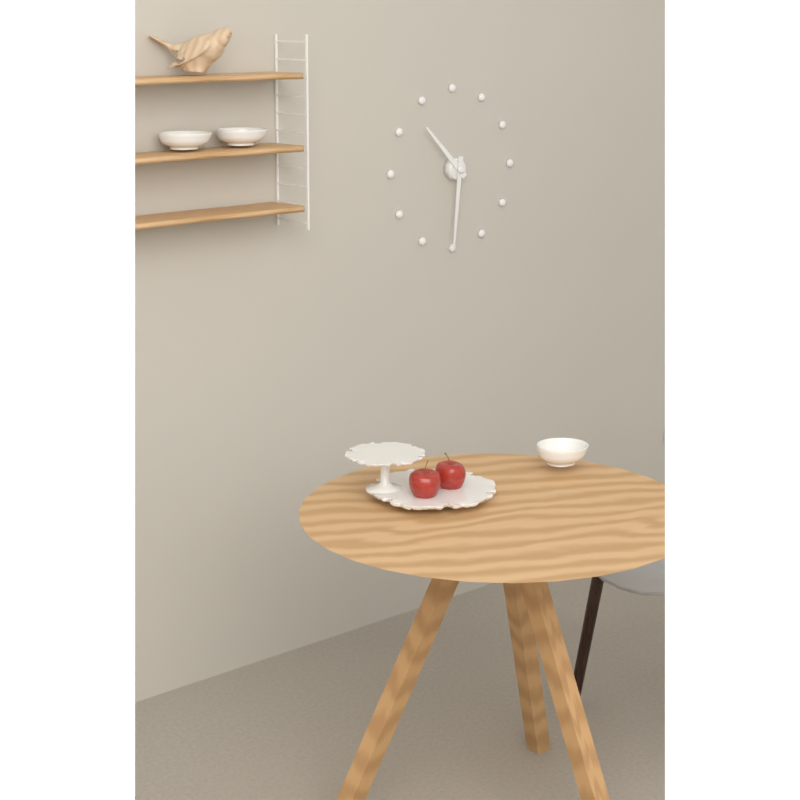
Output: **10:31**
